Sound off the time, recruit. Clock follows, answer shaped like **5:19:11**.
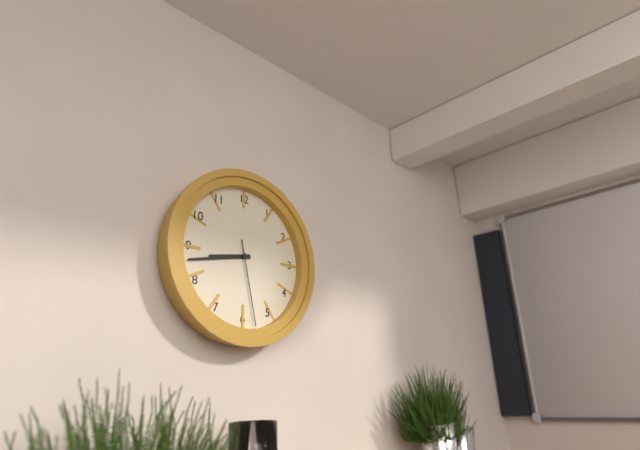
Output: **8:43:28**
